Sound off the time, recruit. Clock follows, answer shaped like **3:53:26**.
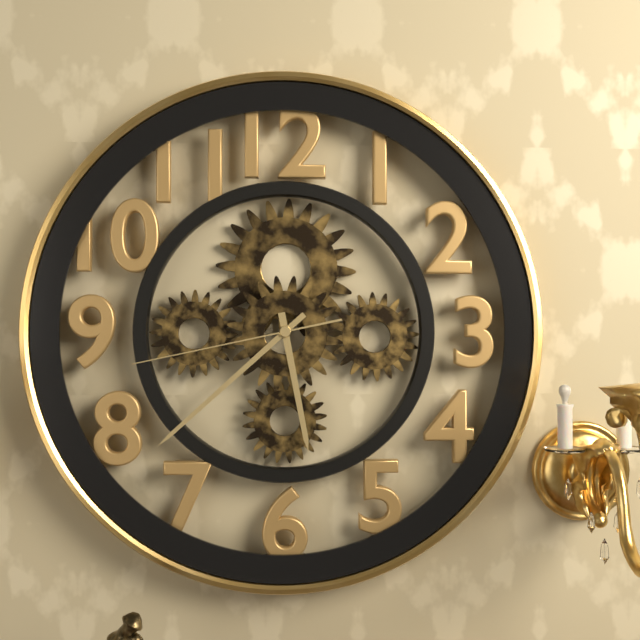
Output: **5:38:43**
